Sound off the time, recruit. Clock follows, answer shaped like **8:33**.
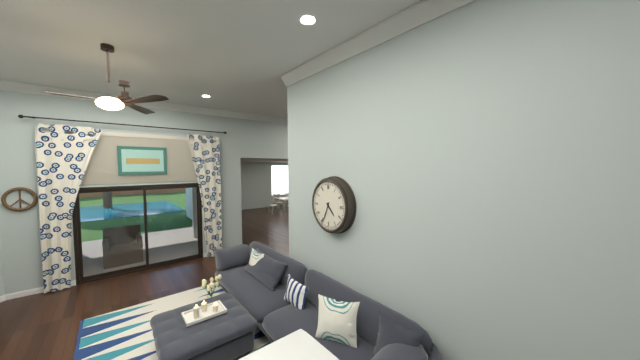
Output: **4:34**
